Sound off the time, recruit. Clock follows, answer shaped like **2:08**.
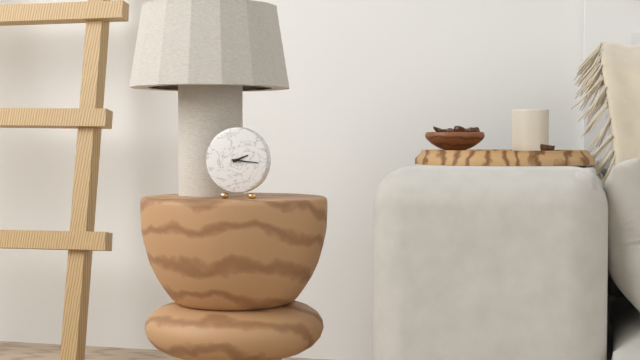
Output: **2:16**
